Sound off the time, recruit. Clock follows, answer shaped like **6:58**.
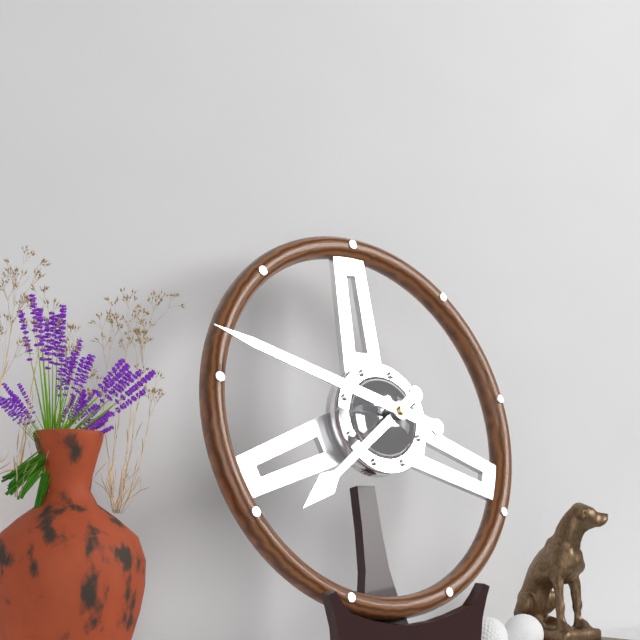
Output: **7:48**
